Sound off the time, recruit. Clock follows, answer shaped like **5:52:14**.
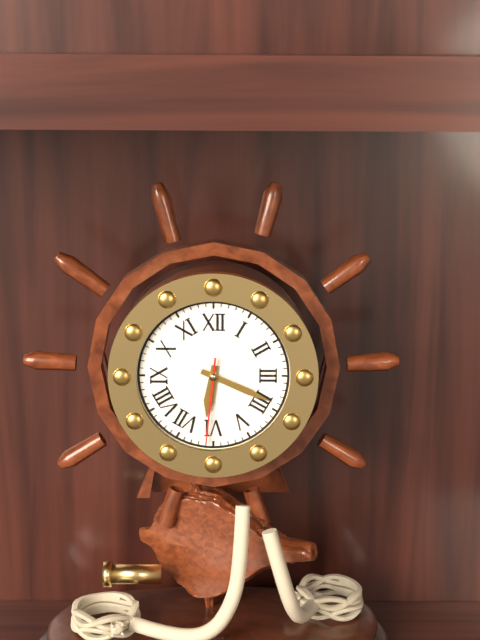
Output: **6:19:31**
